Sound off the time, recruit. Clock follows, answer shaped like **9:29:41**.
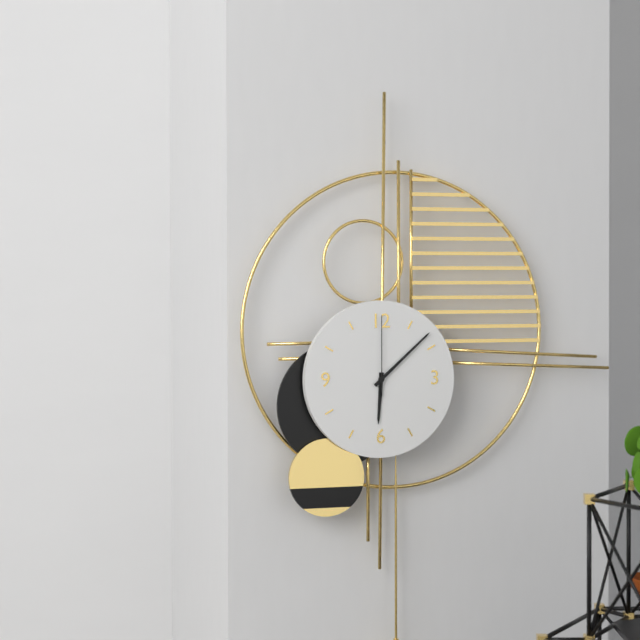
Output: **6:08:00**
